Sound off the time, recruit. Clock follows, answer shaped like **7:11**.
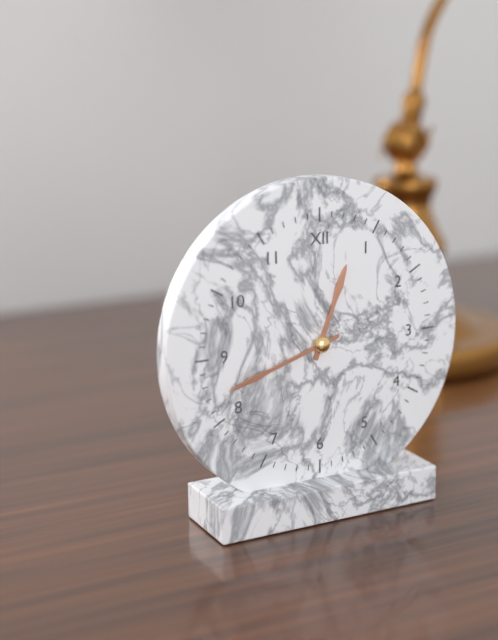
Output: **12:42**
